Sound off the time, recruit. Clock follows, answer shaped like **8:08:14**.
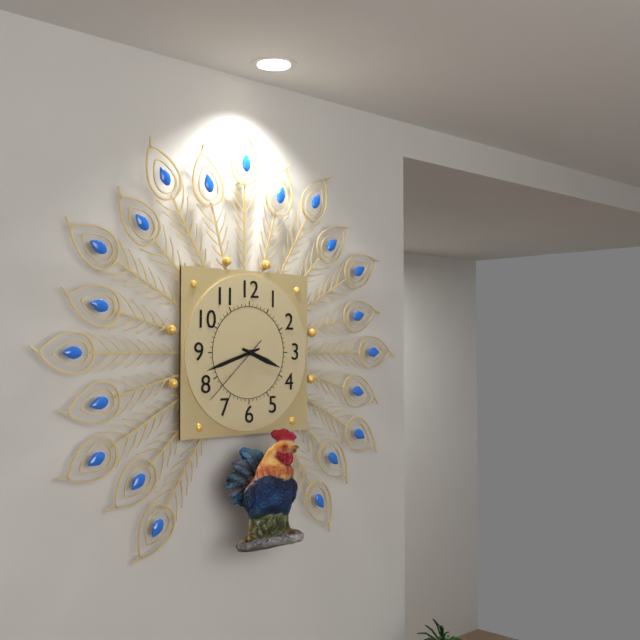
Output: **3:42:38**
